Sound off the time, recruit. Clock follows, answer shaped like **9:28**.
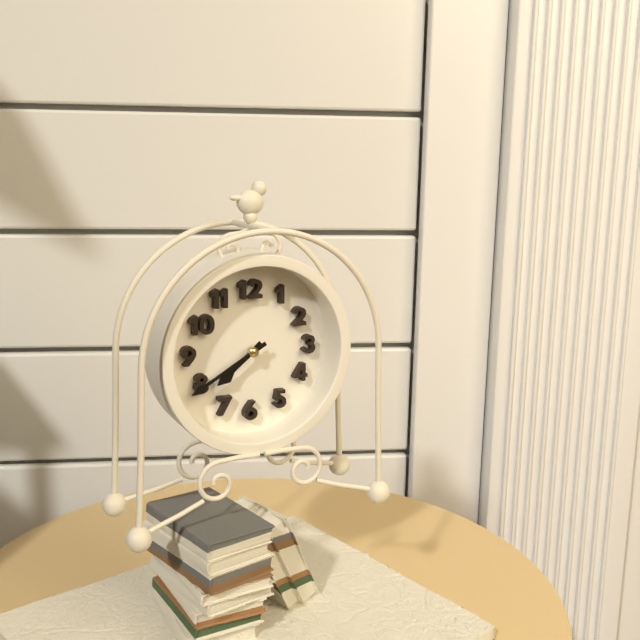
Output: **7:40**
